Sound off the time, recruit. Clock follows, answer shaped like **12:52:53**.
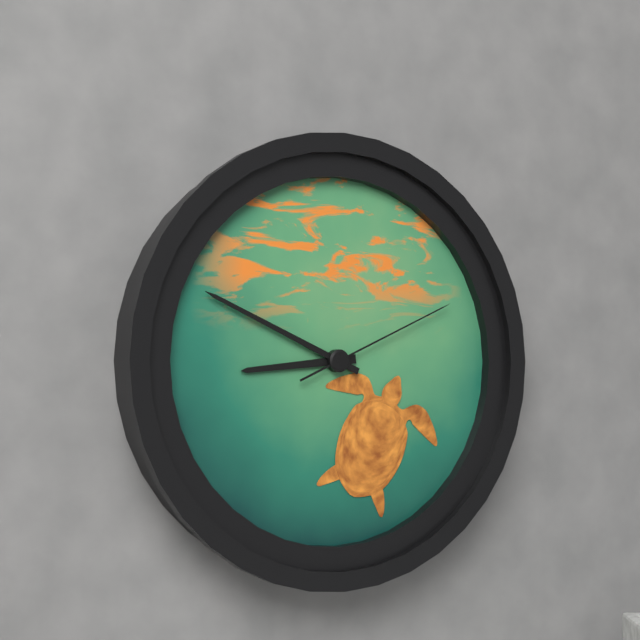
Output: **8:49:11**
